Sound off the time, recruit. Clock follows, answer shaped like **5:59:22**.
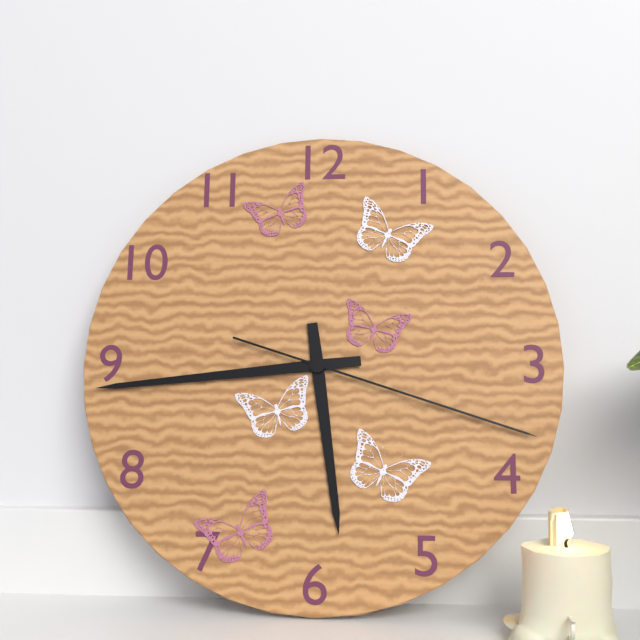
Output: **5:44:18**
